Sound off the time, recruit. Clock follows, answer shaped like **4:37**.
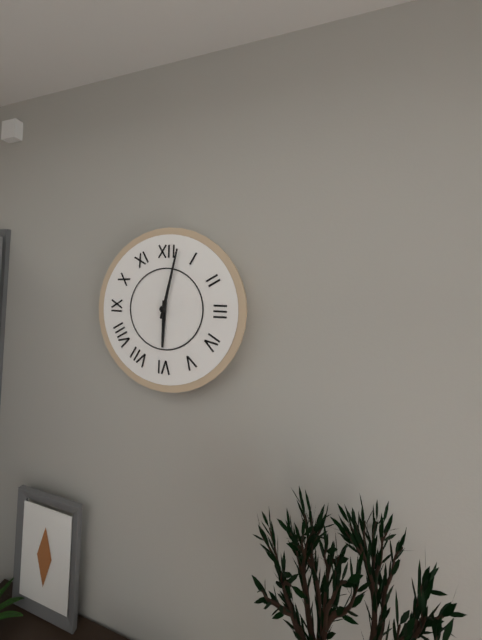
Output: **6:02**
